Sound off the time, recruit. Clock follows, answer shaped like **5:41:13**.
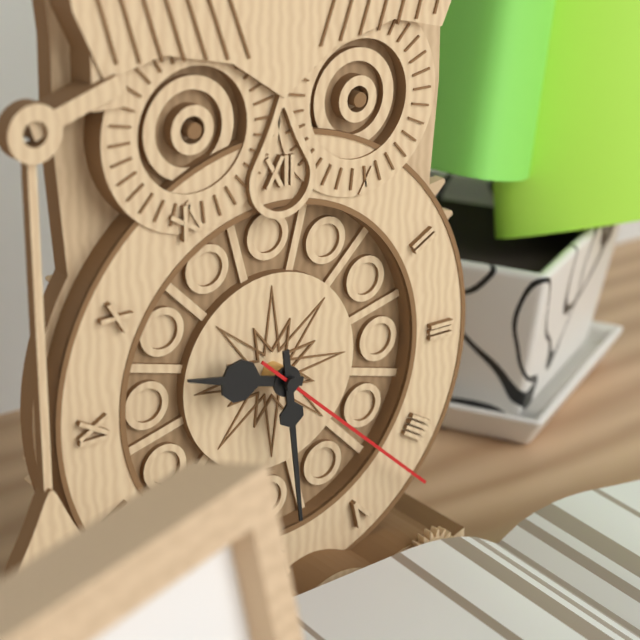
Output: **9:29:22**
